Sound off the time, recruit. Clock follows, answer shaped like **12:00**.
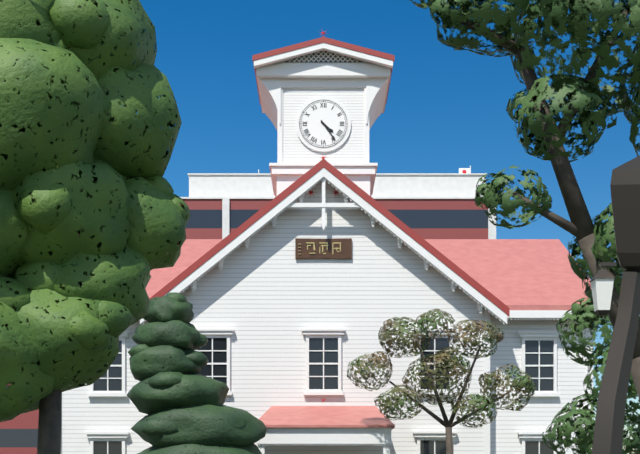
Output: **4:24**
